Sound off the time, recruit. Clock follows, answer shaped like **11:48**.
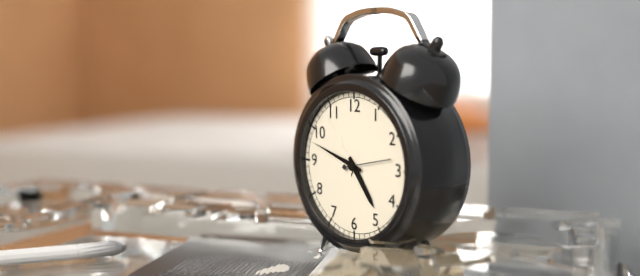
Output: **4:48**
